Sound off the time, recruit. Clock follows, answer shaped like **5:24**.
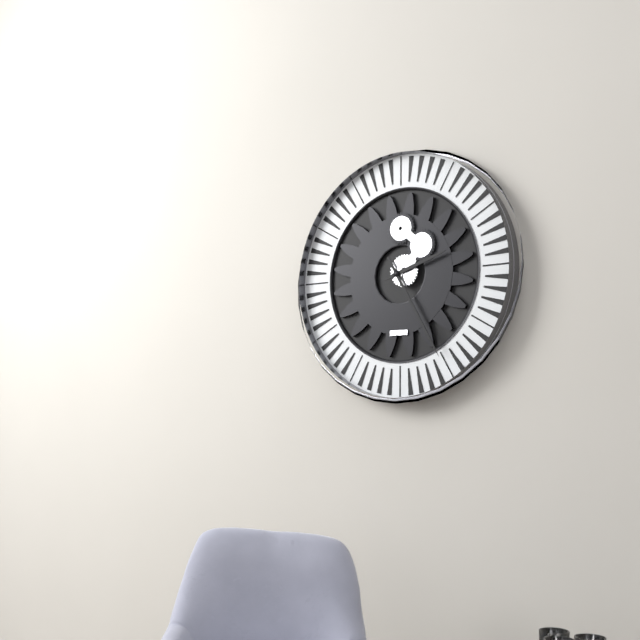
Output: **2:25**
